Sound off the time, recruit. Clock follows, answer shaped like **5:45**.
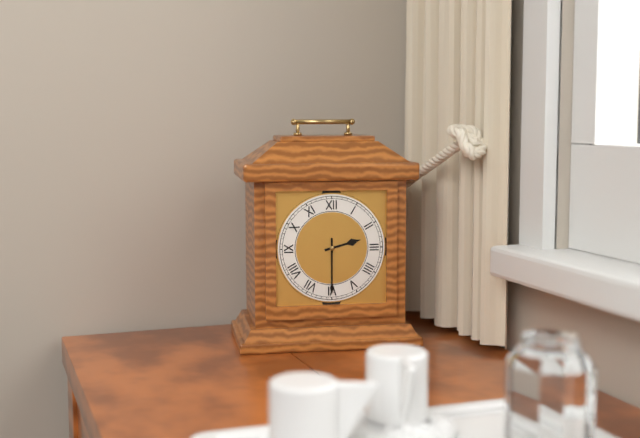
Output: **2:30**
